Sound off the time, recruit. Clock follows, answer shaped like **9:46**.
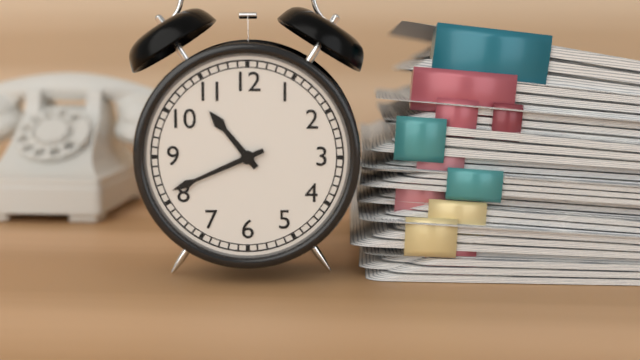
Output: **10:41**
